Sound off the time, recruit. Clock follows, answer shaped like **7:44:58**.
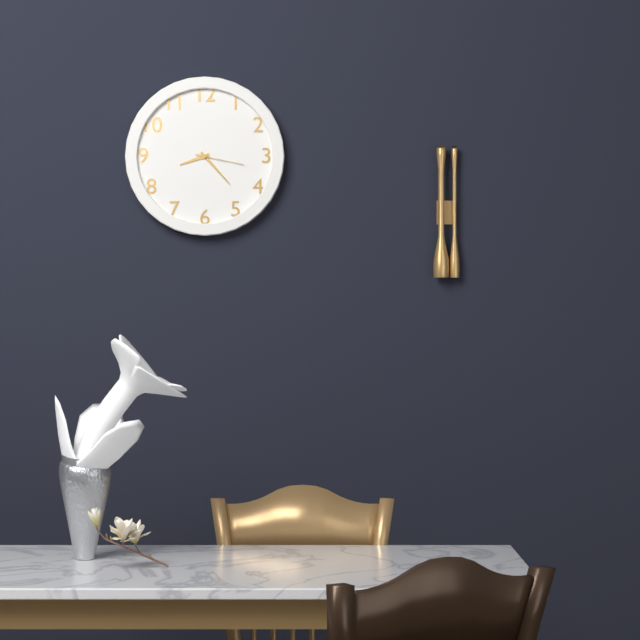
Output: **8:23:17**
